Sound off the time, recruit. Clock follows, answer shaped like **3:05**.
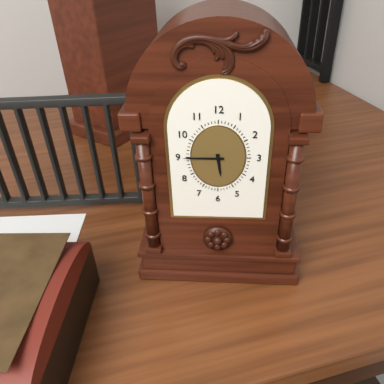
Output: **5:45**
